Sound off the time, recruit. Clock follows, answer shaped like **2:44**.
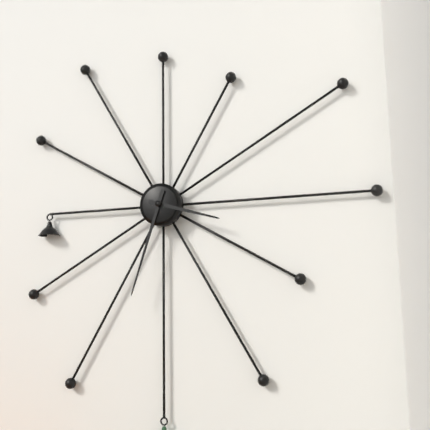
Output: **3:33**
